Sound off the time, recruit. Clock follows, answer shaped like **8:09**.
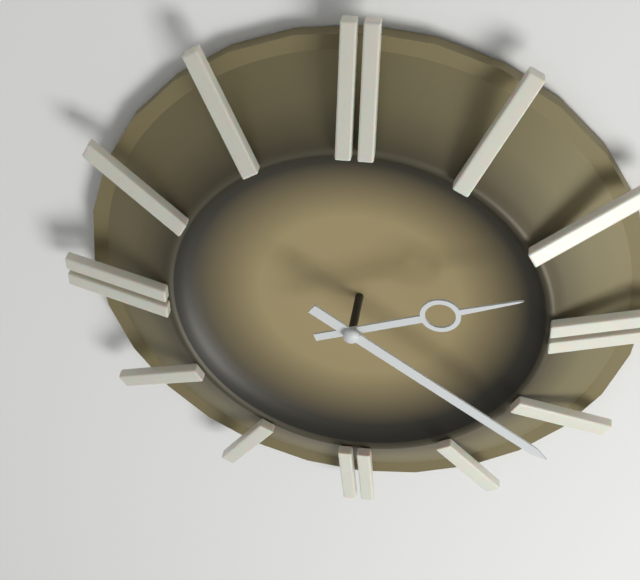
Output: **2:21**
